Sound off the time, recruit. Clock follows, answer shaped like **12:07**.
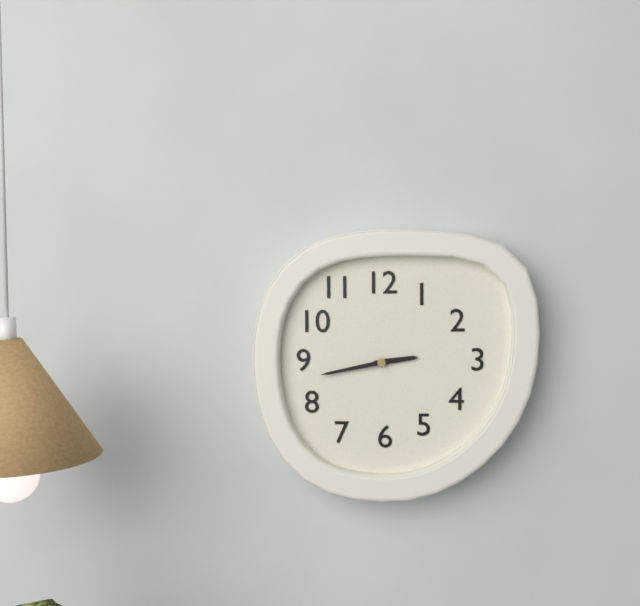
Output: **2:43**
